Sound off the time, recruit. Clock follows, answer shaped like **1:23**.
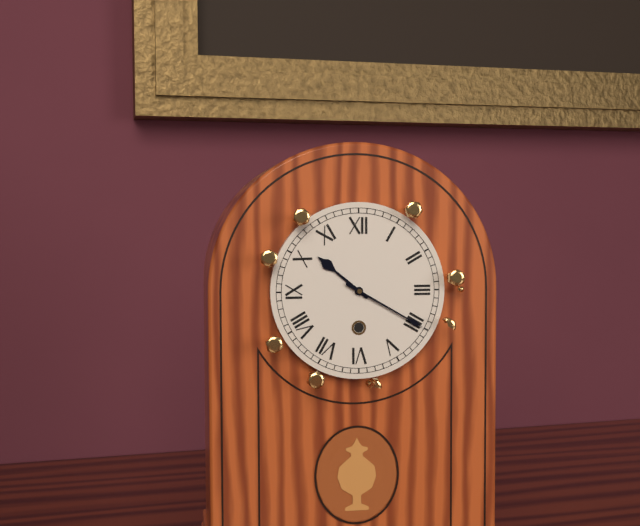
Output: **10:20**
